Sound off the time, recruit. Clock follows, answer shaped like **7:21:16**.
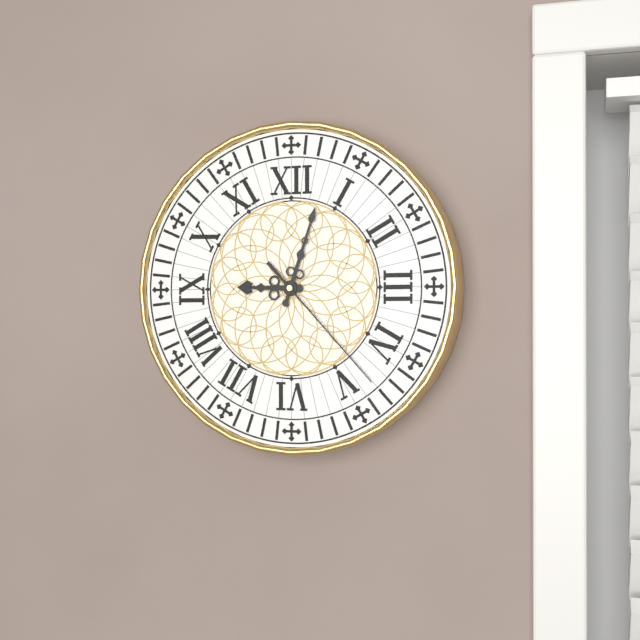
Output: **9:03:23**
